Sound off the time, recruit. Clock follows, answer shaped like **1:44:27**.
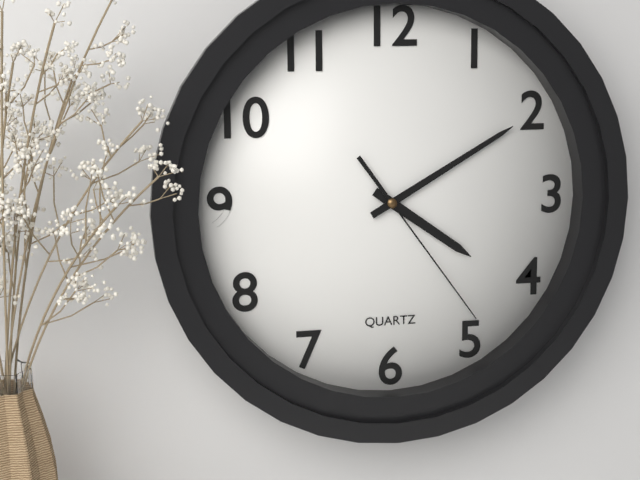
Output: **4:10:24**
